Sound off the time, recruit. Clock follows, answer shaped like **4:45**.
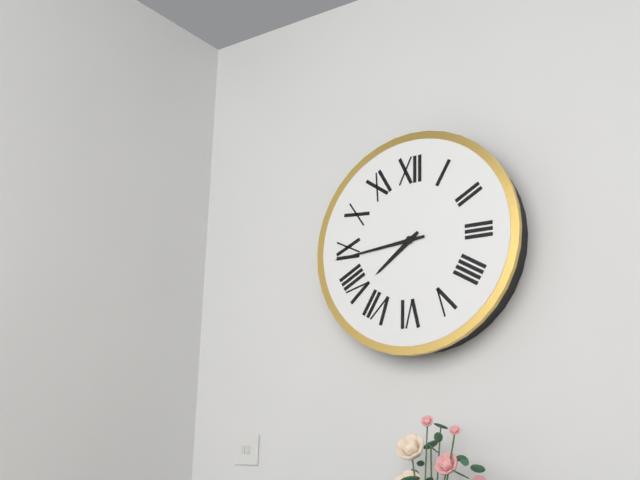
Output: **7:44**
